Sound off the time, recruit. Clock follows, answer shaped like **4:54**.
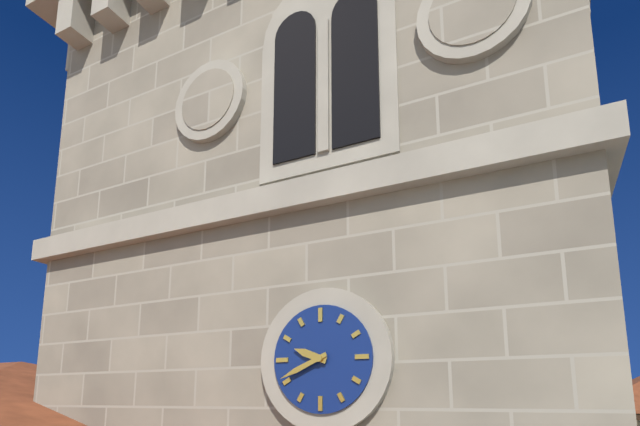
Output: **9:41**
